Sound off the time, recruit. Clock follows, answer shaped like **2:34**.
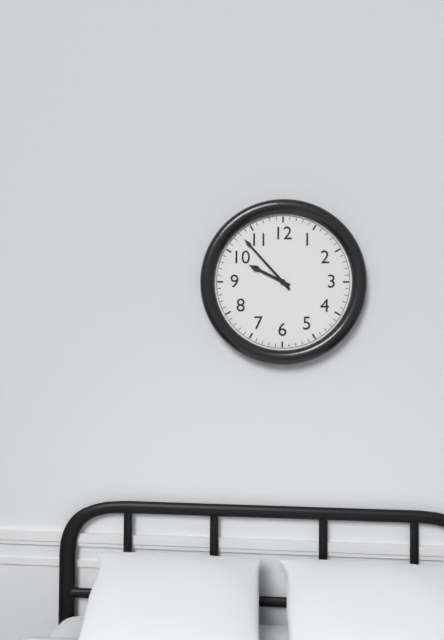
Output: **9:53**
